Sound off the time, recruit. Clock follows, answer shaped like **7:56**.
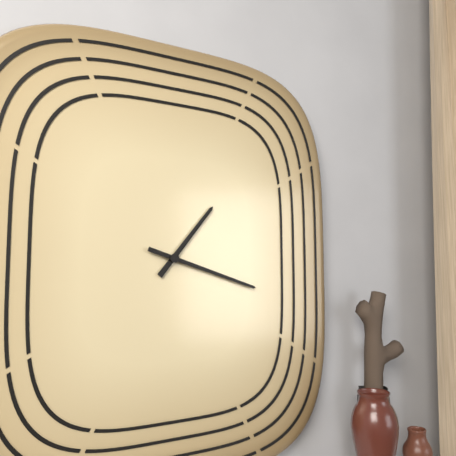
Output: **1:18**
